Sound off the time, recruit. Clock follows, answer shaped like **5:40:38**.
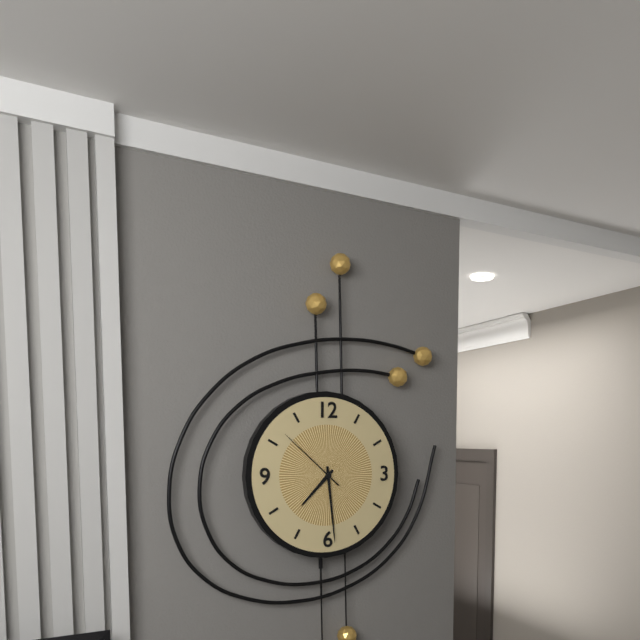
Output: **7:29:52**
